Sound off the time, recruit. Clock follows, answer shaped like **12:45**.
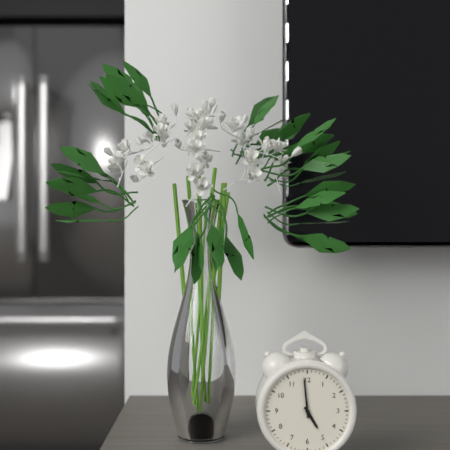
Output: **4:59**
